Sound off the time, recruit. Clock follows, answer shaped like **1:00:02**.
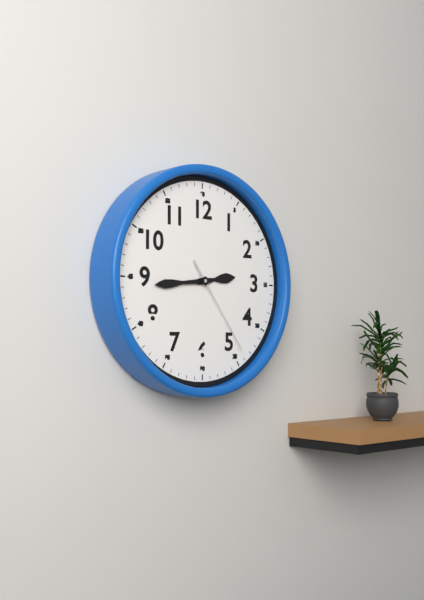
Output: **2:44:24**
